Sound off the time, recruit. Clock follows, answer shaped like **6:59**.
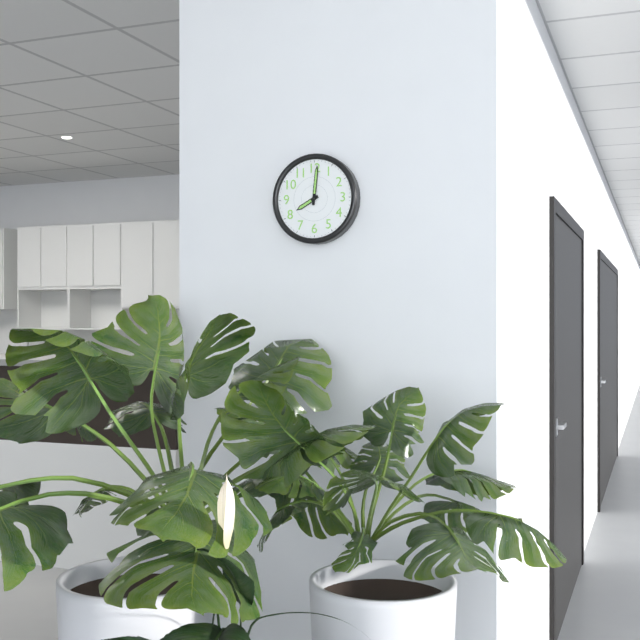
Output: **8:01**
